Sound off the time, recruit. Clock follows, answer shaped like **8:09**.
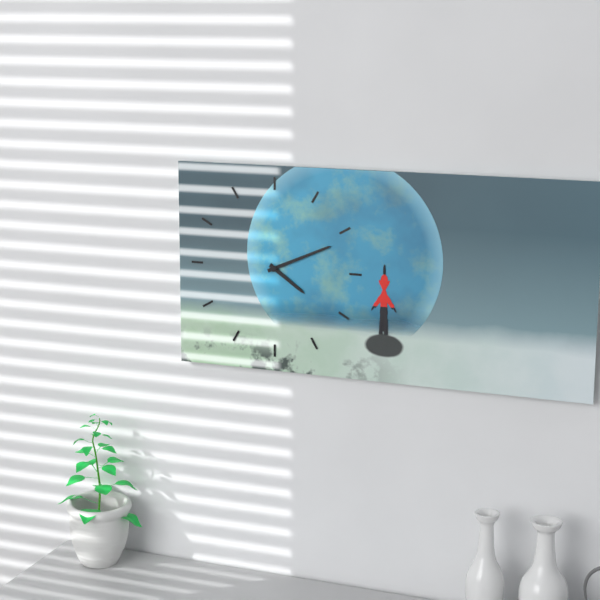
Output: **4:11**
